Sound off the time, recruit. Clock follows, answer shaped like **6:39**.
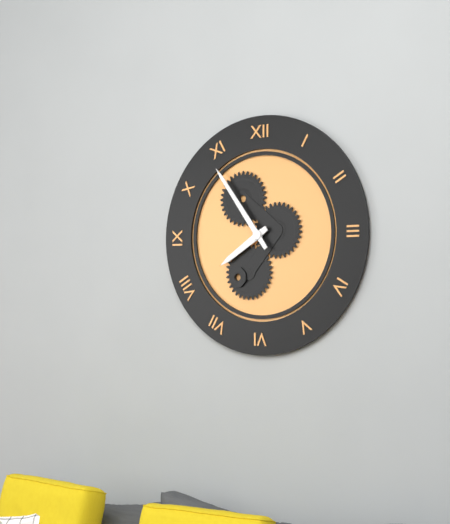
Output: **7:54**
